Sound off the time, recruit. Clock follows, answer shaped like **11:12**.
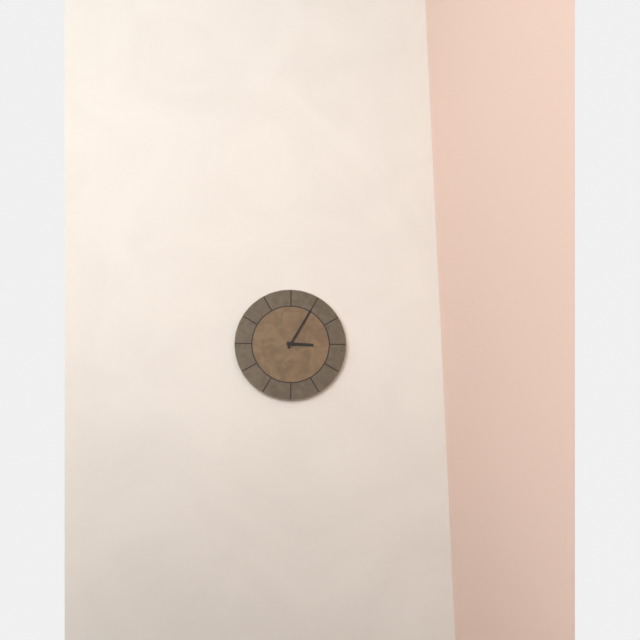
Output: **3:05**
